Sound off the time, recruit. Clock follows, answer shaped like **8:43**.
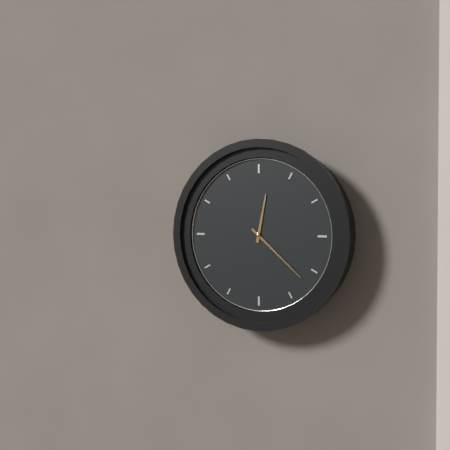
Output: **12:22**
